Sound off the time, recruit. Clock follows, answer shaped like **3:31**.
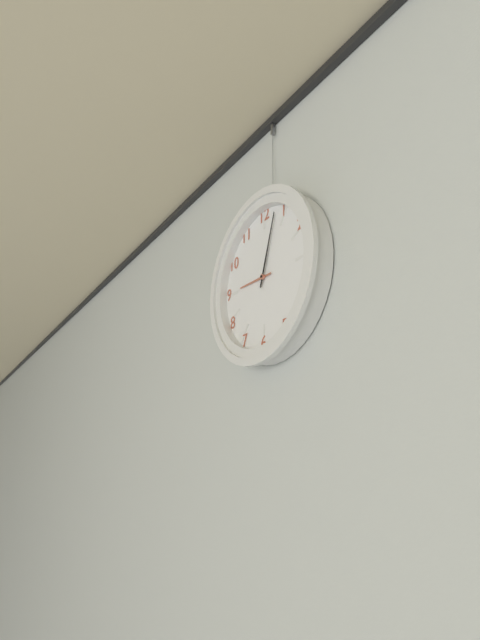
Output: **9:03**
